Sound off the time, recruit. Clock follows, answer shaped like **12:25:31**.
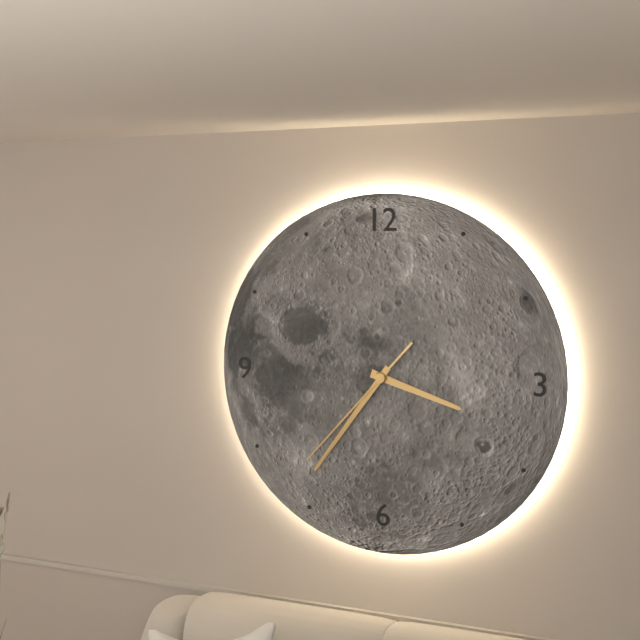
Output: **3:36:37**
